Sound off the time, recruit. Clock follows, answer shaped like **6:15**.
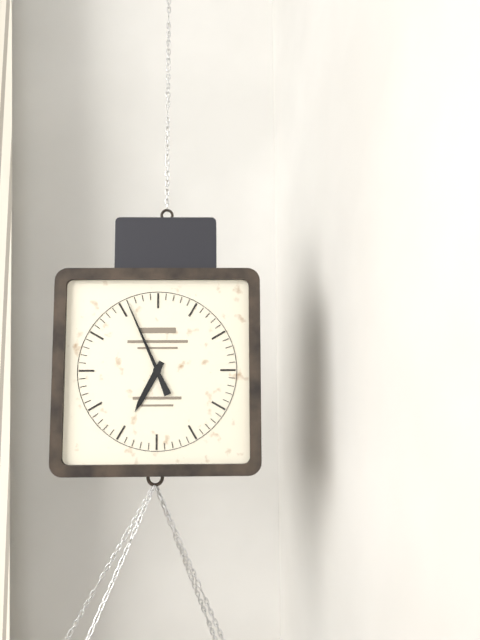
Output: **6:56**
